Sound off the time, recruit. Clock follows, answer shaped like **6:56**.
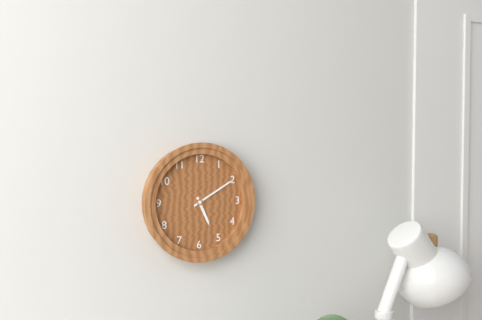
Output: **5:10**
